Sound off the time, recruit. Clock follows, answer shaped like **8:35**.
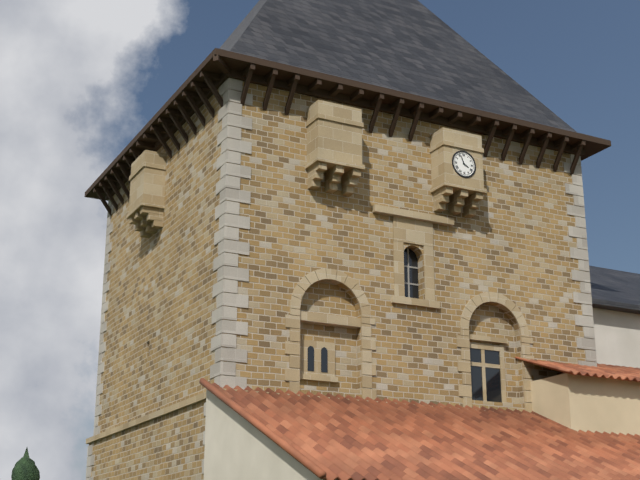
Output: **3:56**
